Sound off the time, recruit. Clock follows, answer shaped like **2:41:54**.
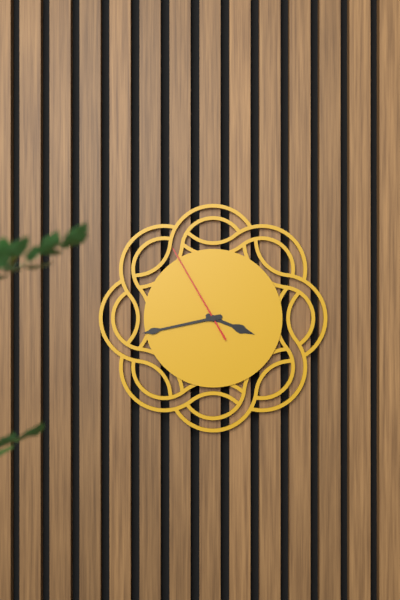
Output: **3:43:55**
